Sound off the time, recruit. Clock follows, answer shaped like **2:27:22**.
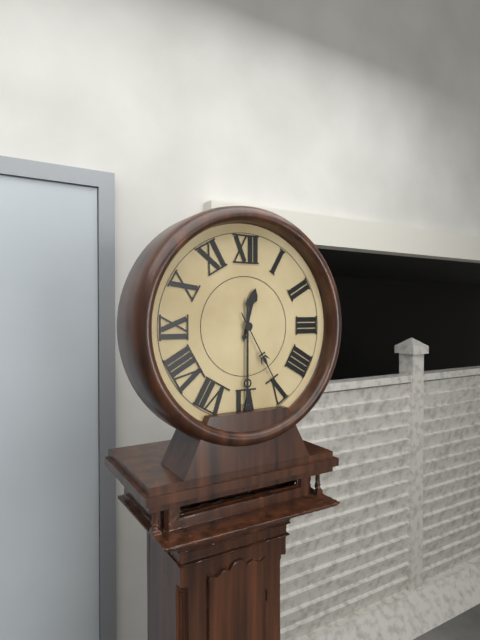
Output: **12:30:25**
